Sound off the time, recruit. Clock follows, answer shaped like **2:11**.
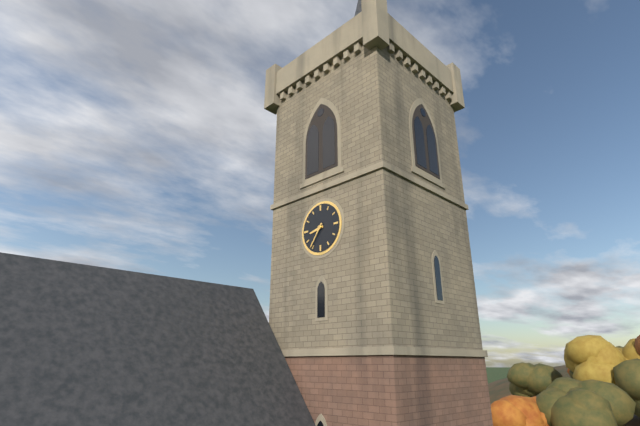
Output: **8:36**
